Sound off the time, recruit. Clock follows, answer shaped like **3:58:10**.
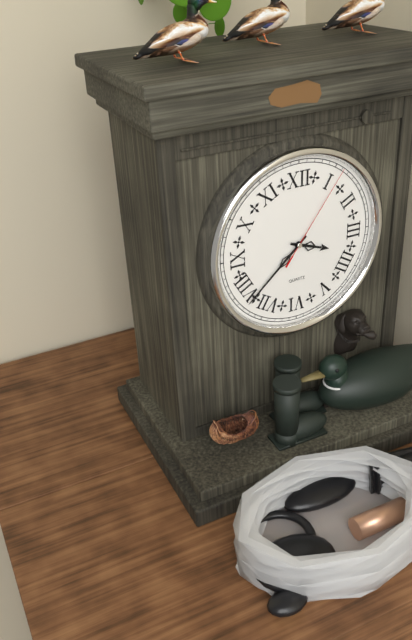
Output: **3:38:06**
